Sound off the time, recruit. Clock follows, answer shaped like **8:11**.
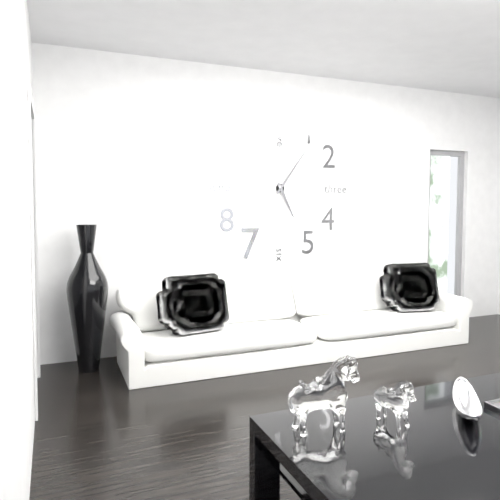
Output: **5:06**
